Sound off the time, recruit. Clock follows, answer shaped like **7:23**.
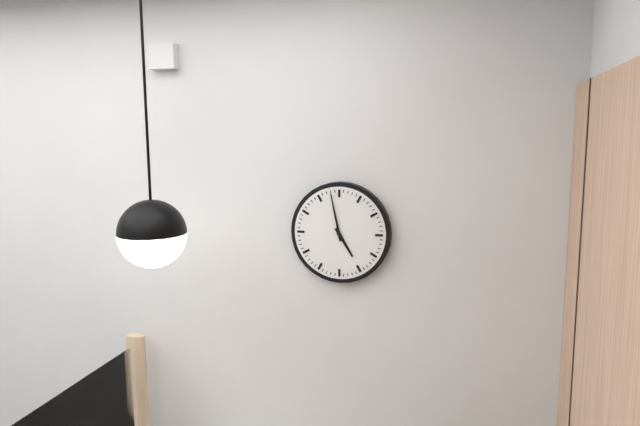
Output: **4:58**
